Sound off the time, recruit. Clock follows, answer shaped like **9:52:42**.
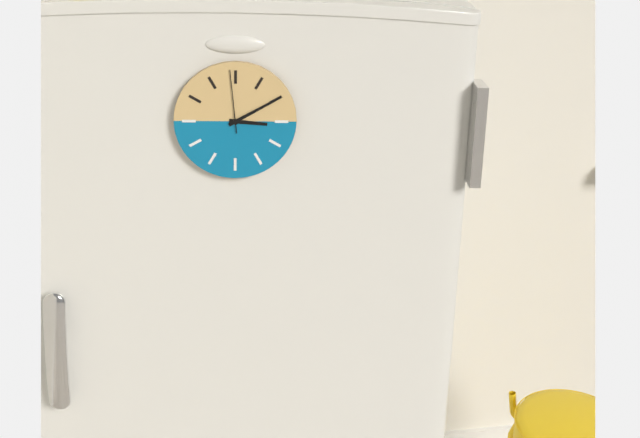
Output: **3:10:59**
